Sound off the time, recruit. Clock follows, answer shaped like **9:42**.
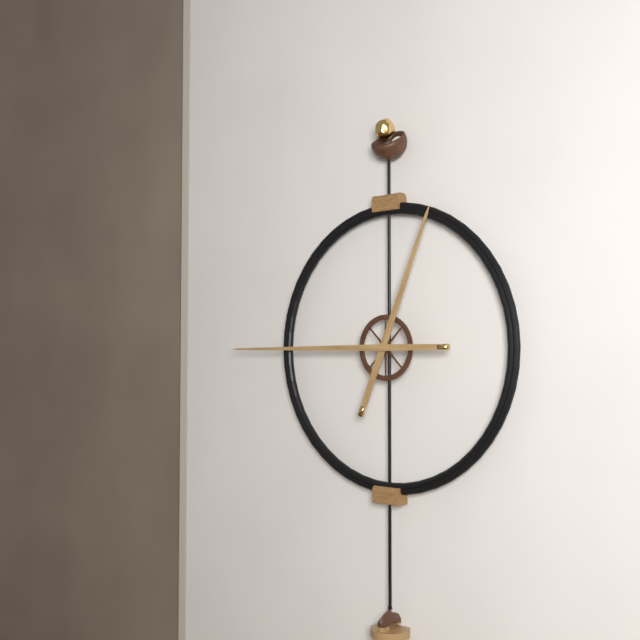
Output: **12:45**
